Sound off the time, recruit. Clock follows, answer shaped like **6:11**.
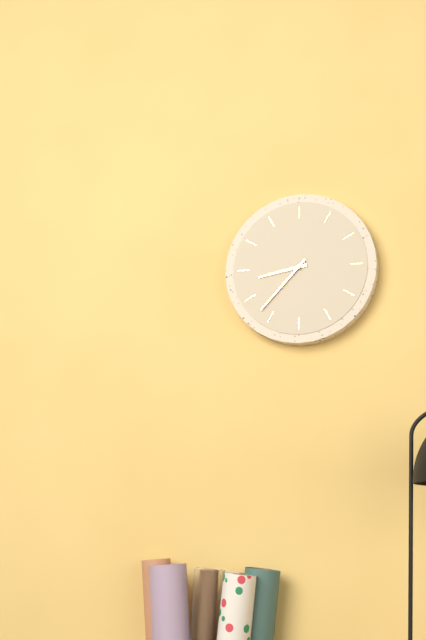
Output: **8:37**
